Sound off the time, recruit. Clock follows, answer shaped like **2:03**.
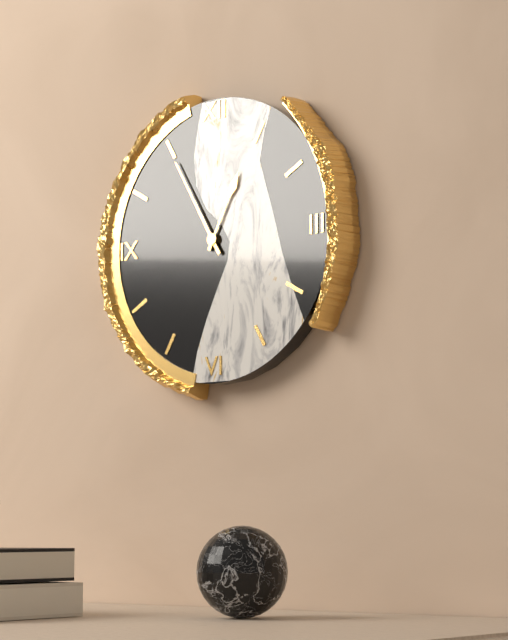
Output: **12:55**
